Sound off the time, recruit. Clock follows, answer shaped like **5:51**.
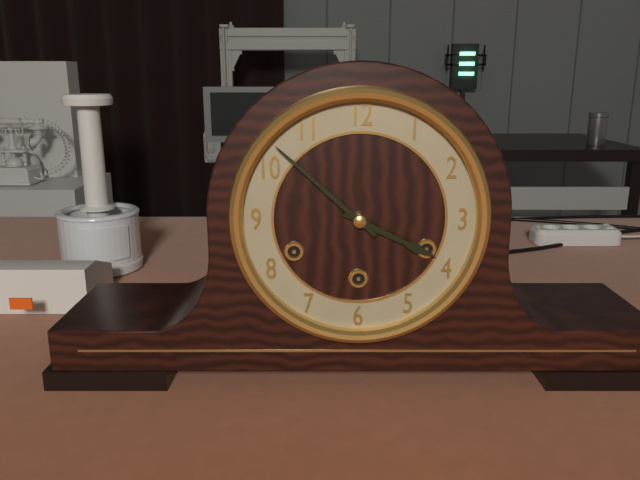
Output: **3:52**
